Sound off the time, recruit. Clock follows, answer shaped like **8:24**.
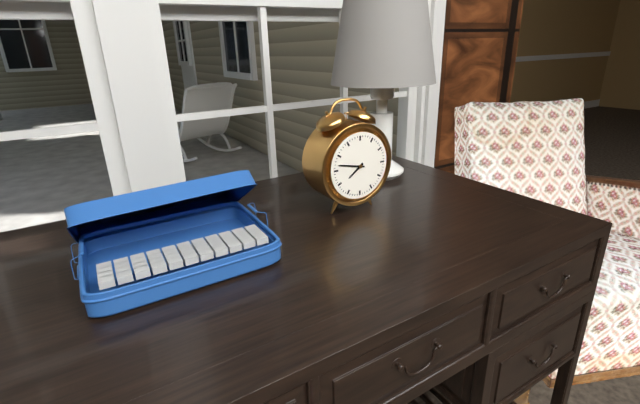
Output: **7:47**
